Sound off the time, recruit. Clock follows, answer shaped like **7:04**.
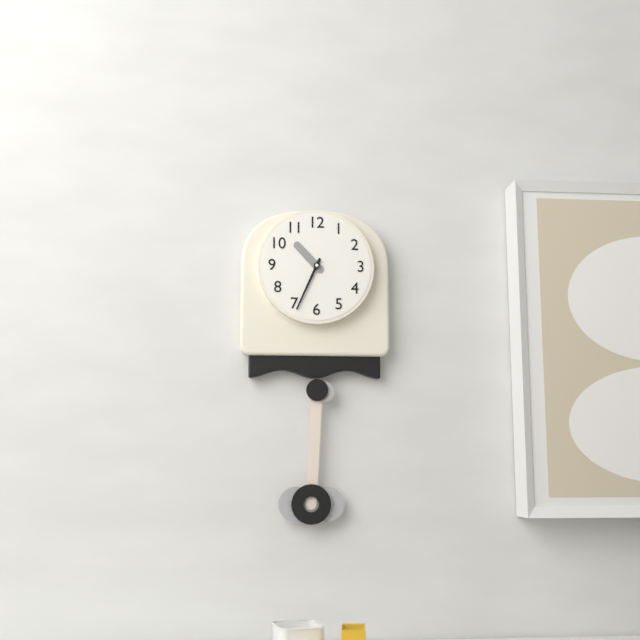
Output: **10:34**
